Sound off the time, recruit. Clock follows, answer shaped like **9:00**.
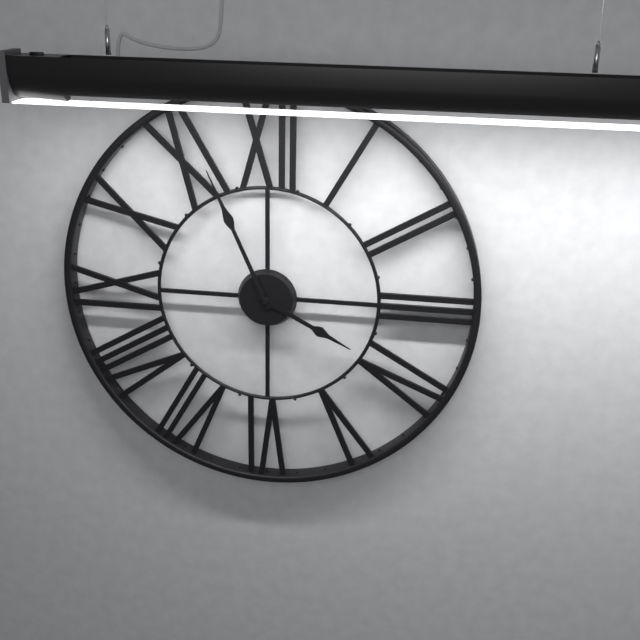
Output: **3:56**
